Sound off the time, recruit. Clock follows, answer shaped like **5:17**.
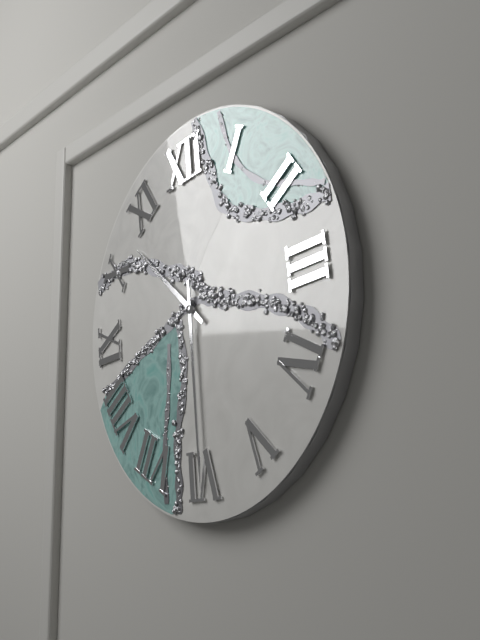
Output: **10:30**
